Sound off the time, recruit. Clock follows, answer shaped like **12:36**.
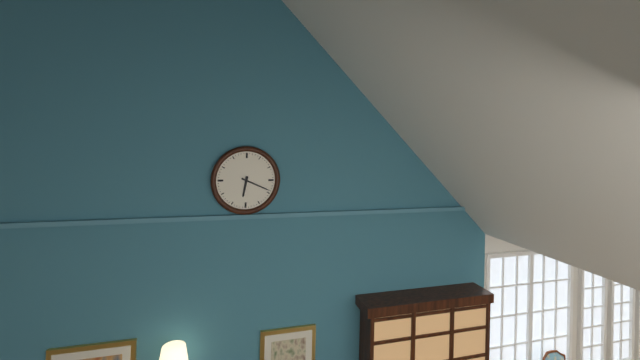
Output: **6:19**
